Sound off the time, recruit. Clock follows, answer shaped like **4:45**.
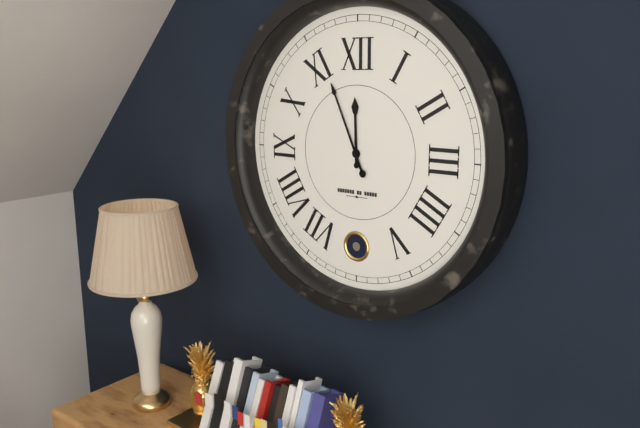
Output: **11:56**
